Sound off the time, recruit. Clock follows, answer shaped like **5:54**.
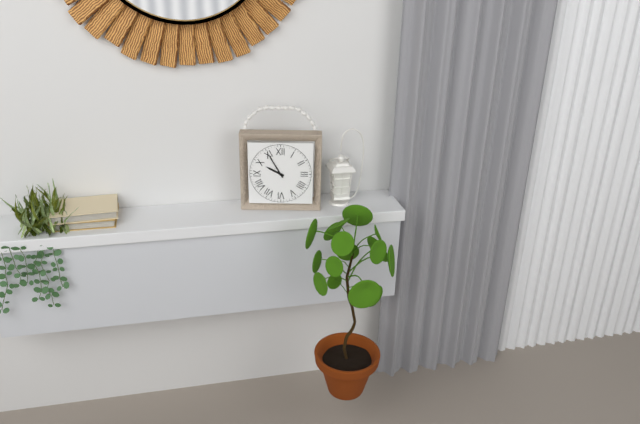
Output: **9:55**
